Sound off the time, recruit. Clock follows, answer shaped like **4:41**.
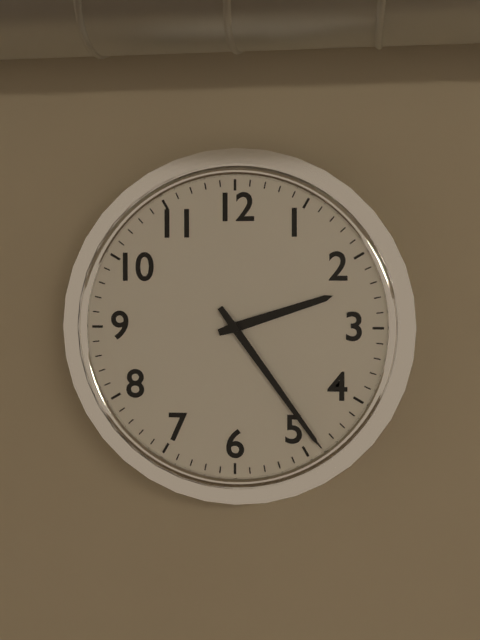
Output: **2:24**
